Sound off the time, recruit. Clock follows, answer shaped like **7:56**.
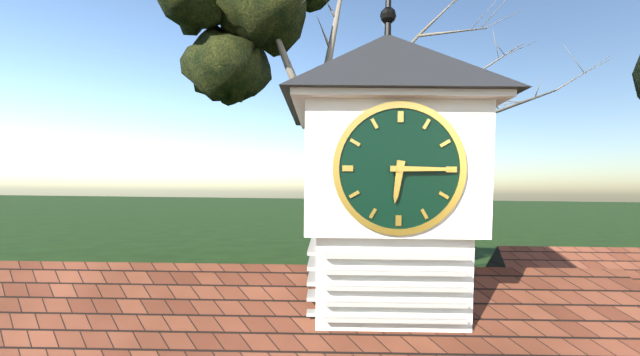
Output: **6:15**
